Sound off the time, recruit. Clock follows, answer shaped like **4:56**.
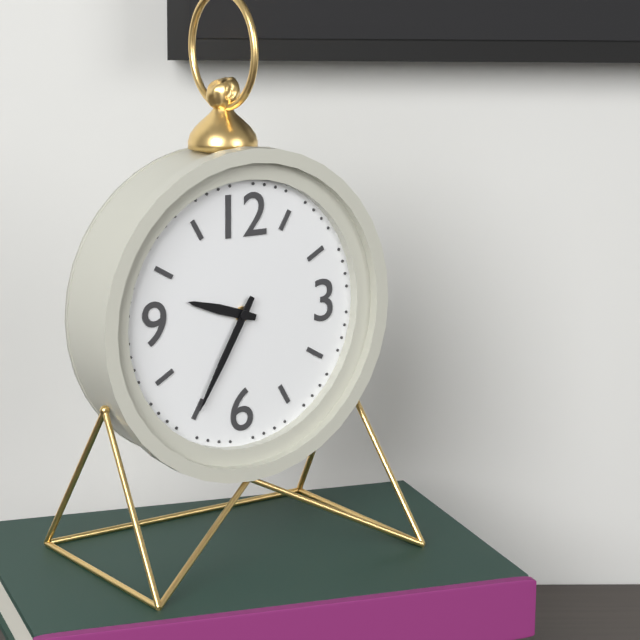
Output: **9:35**
